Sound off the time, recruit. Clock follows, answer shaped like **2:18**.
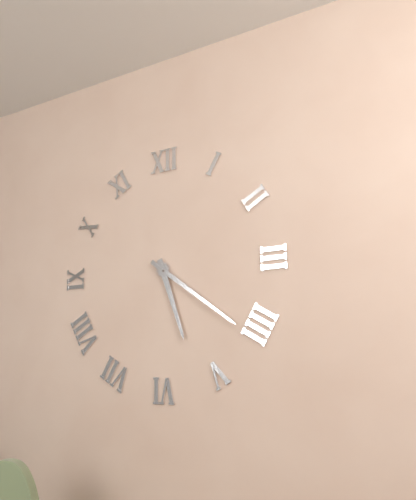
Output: **5:21**
